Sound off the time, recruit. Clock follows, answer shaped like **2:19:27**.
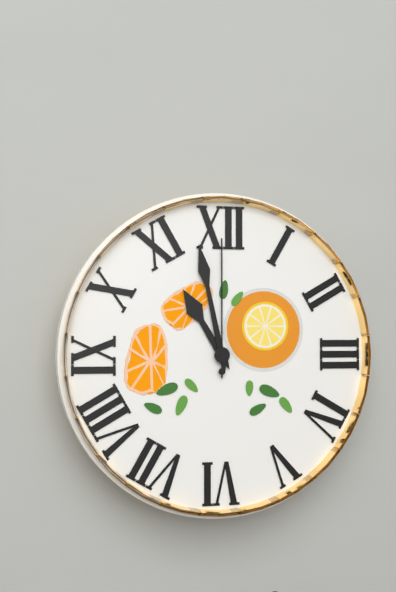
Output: **10:58:00**
